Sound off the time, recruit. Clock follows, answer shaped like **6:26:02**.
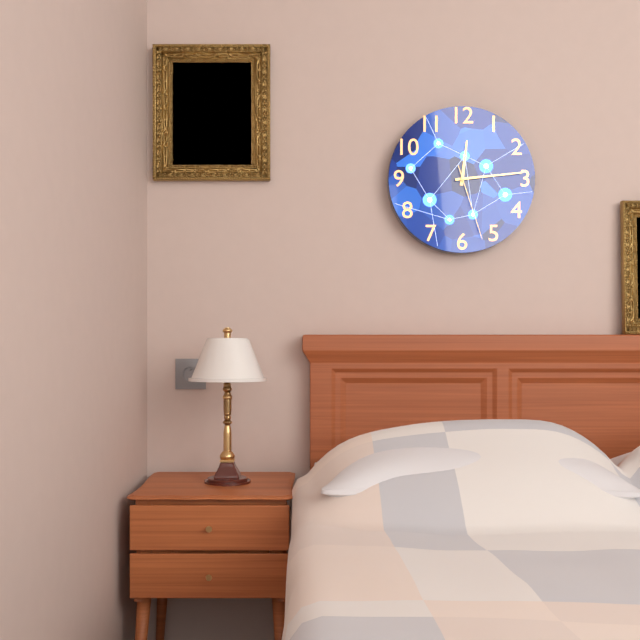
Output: **12:14:27**
